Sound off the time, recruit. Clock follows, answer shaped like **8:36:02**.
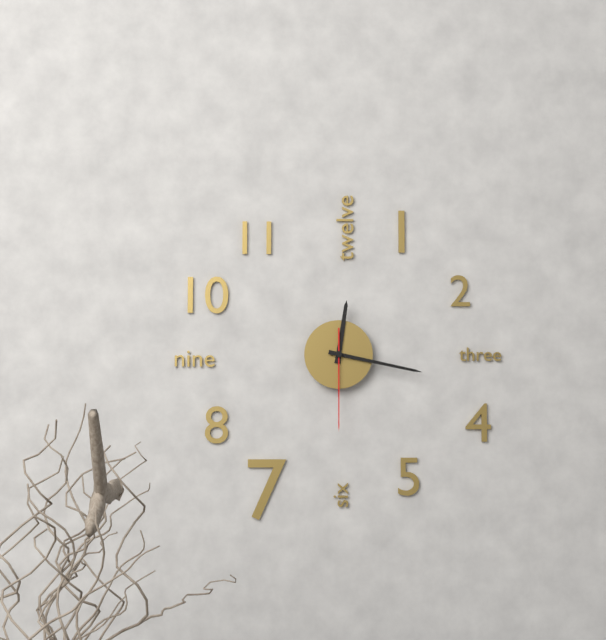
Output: **12:17:30**
